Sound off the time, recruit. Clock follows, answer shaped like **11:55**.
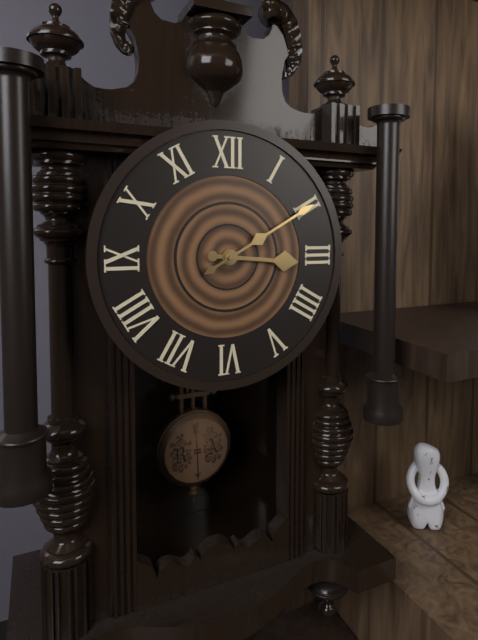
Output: **3:10**
